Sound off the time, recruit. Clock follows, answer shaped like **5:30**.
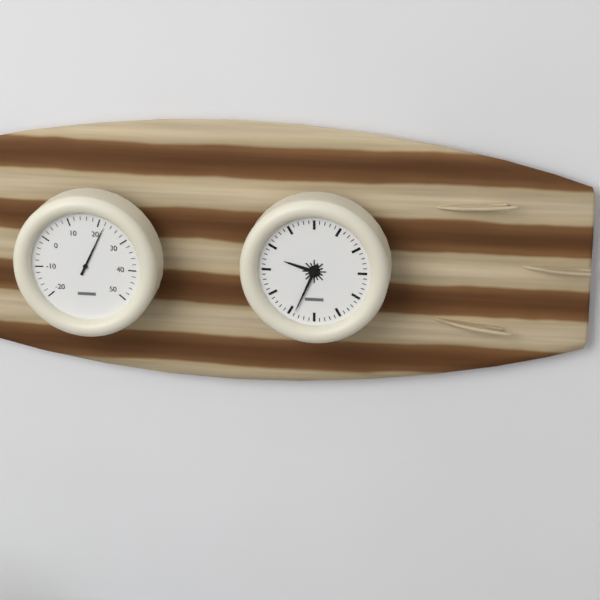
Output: **9:34**
